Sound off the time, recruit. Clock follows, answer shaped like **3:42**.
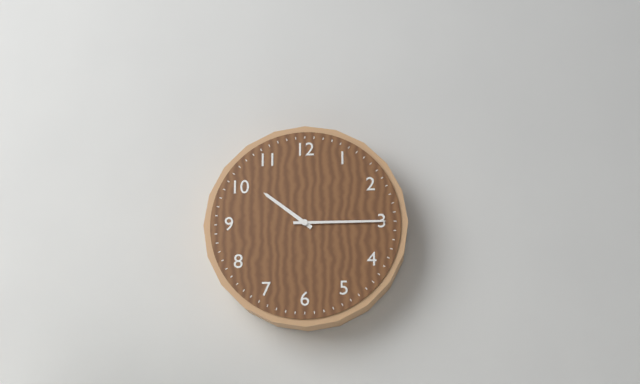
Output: **10:15**
